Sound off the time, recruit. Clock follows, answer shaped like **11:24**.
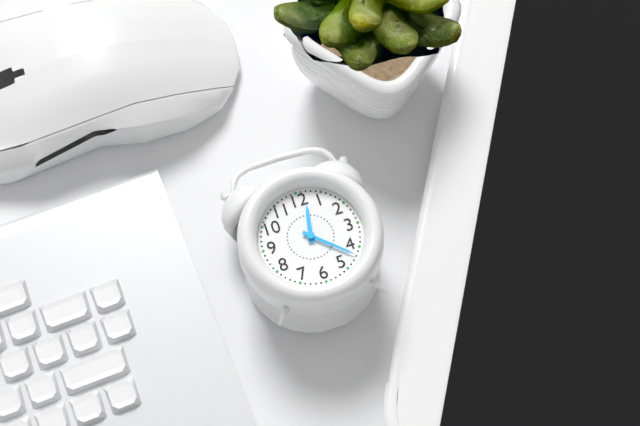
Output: **12:22**
